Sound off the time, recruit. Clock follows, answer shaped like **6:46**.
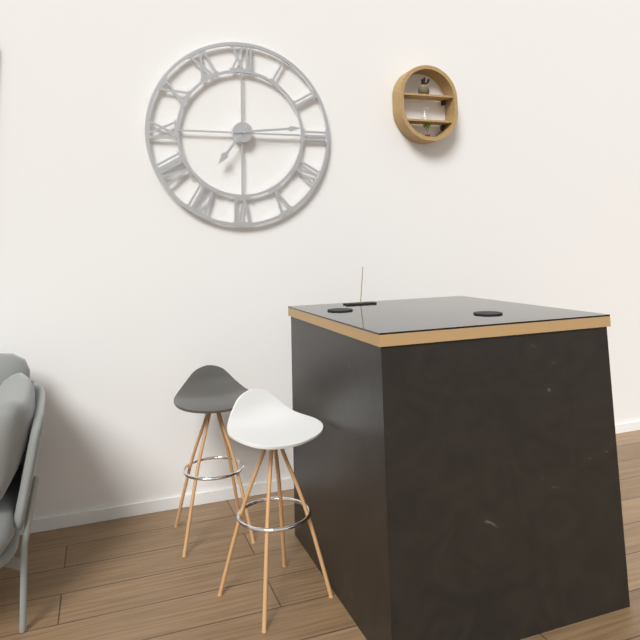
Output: **7:14**
